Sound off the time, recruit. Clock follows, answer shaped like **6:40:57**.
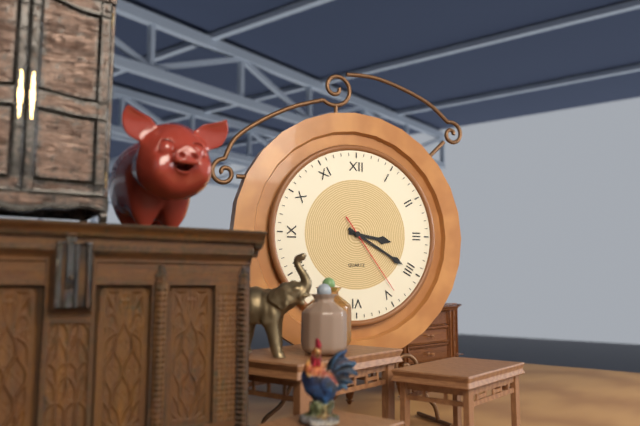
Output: **3:20:24**
